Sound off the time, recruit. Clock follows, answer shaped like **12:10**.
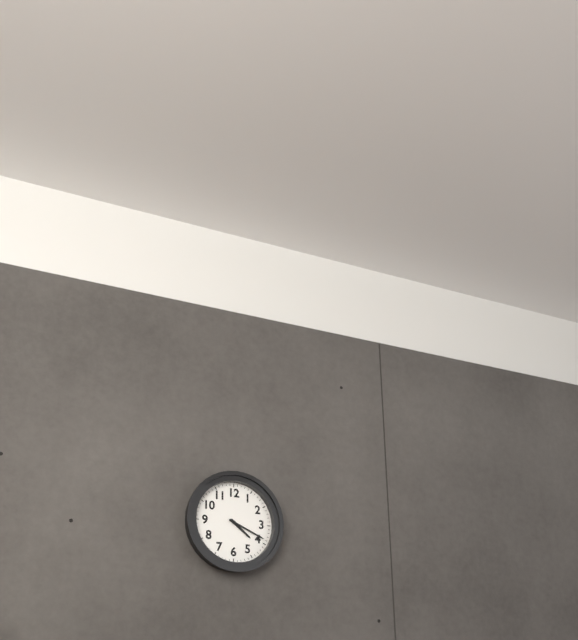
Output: **4:19**
